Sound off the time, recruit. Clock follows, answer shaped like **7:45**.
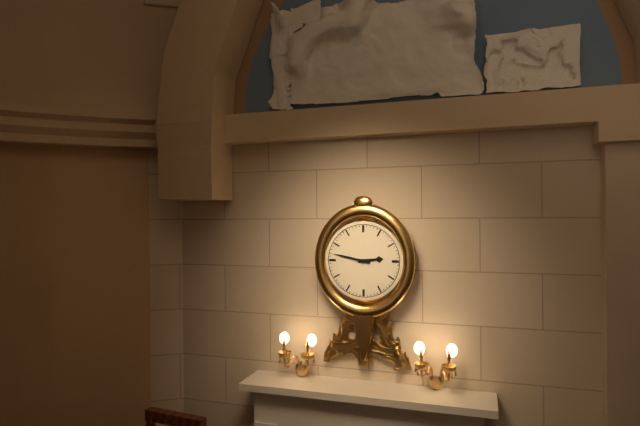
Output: **2:47**
